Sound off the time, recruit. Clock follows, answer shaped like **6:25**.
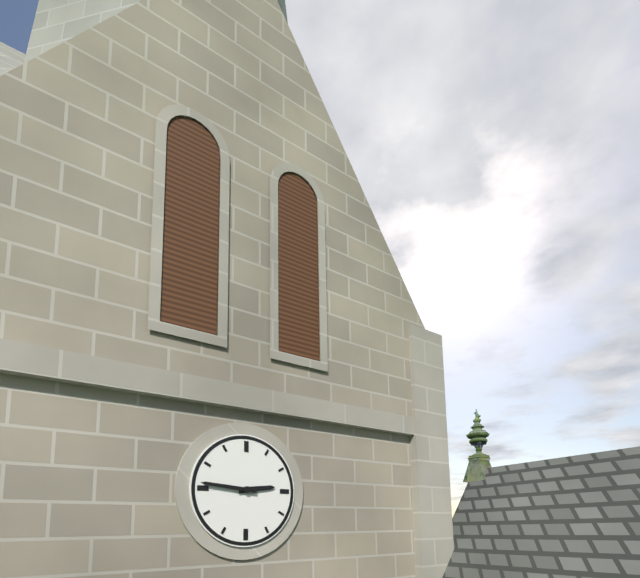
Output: **2:46**
